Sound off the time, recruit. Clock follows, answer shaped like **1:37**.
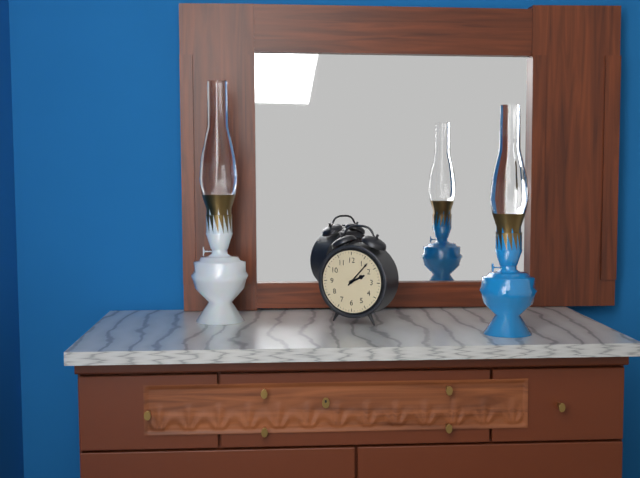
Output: **2:07**
